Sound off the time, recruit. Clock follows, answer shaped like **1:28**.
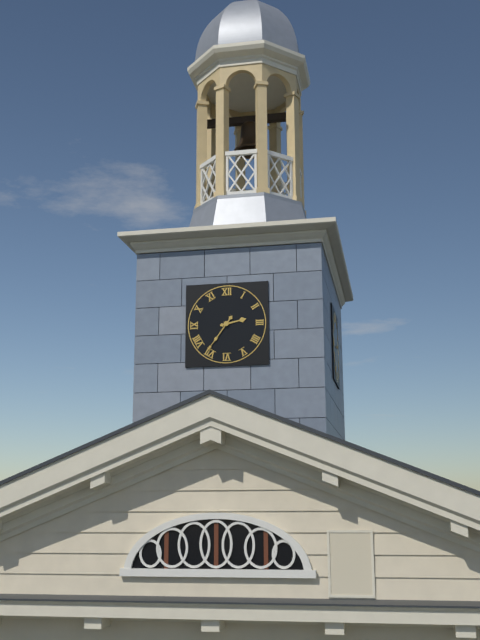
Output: **2:36**
